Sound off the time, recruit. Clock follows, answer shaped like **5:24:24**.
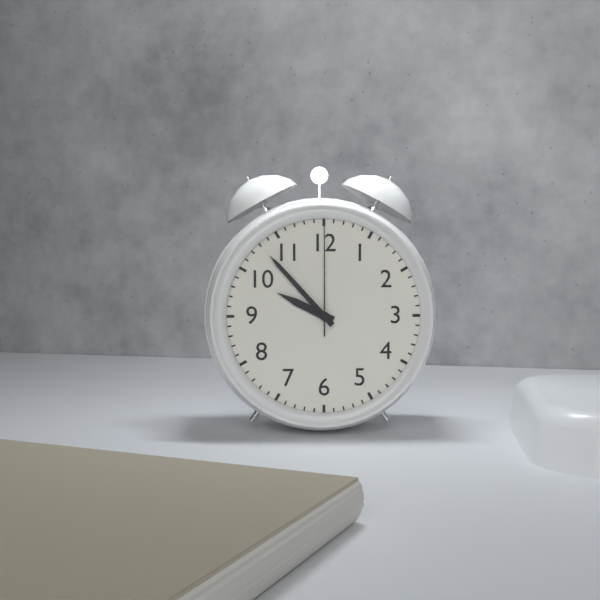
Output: **9:53:00**
